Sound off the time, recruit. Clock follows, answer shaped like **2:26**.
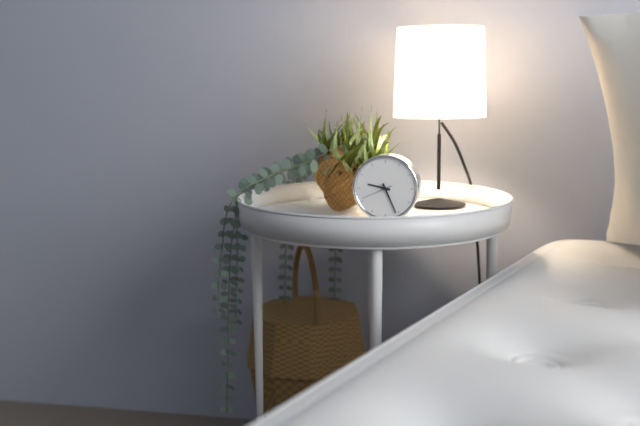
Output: **9:26**
